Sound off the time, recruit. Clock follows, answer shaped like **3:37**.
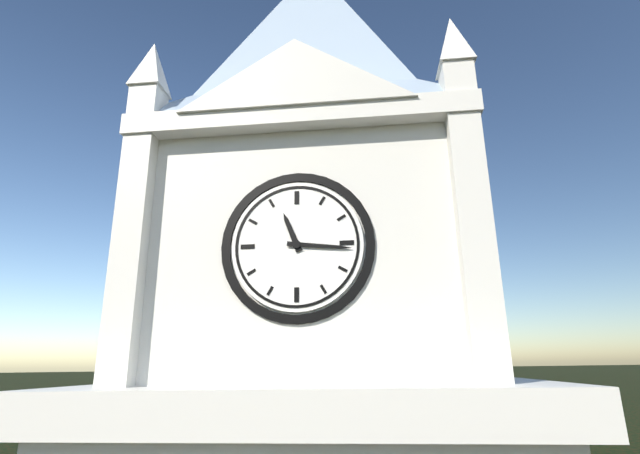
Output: **11:16**
